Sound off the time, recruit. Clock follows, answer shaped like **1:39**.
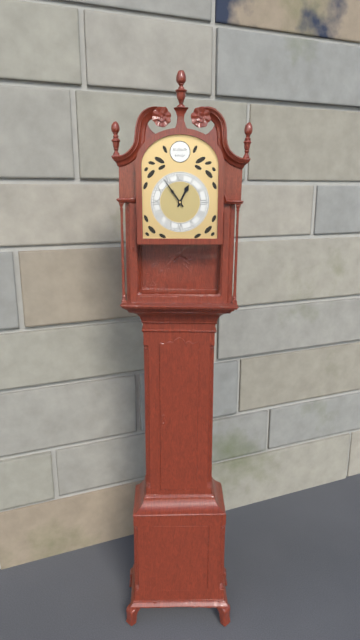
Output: **12:54**
